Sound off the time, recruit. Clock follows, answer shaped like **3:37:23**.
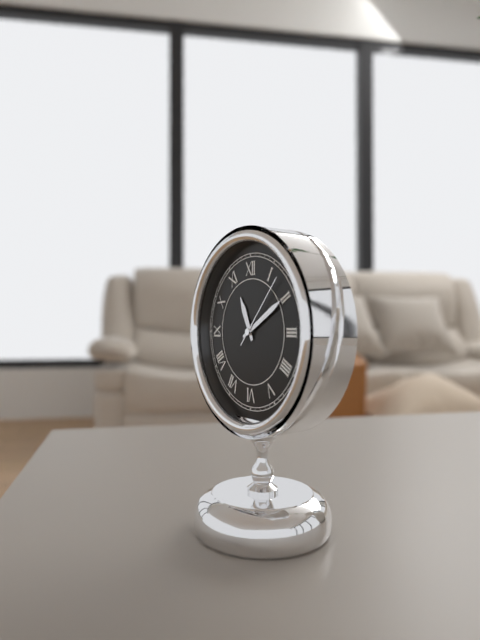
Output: **11:10:07**
